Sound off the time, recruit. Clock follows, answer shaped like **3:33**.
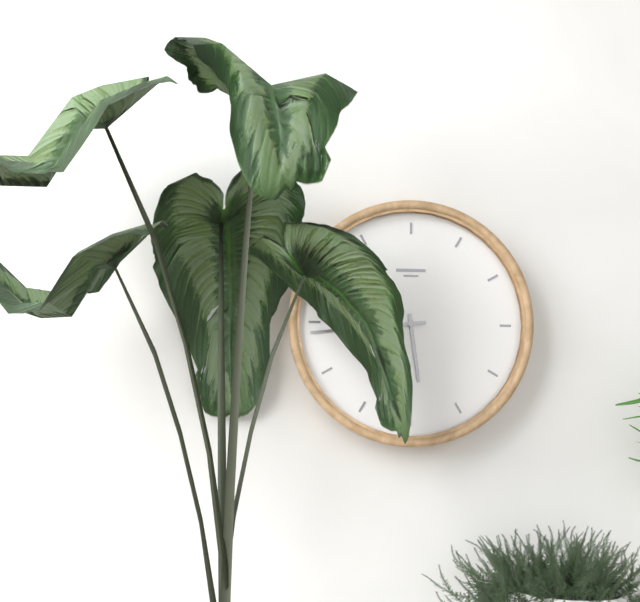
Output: **5:44**
